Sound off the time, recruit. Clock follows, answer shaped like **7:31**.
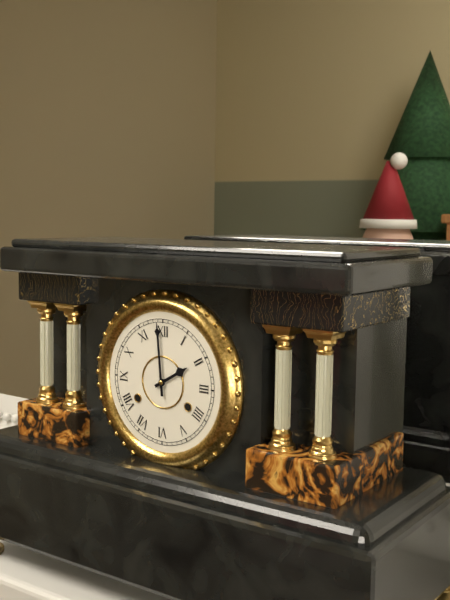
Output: **1:59**
